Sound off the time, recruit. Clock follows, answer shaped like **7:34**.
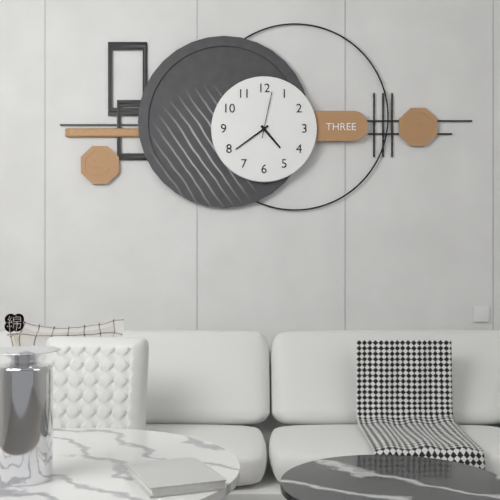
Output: **4:39**
